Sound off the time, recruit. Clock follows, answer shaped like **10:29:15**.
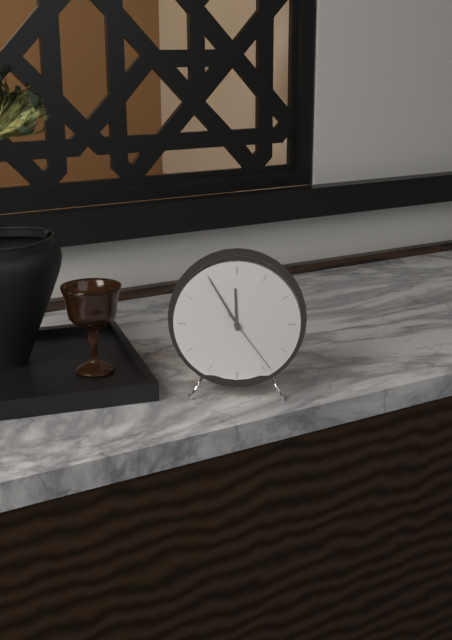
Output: **11:55:24**
